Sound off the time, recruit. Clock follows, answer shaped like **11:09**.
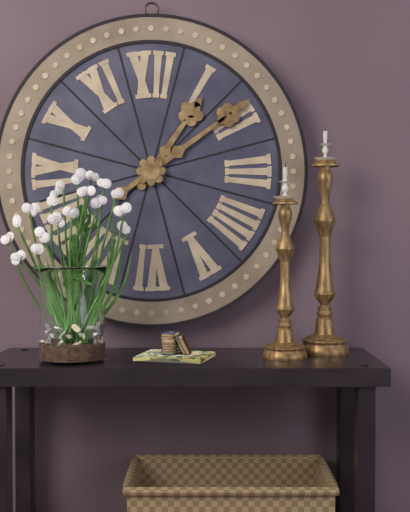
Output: **1:09**
